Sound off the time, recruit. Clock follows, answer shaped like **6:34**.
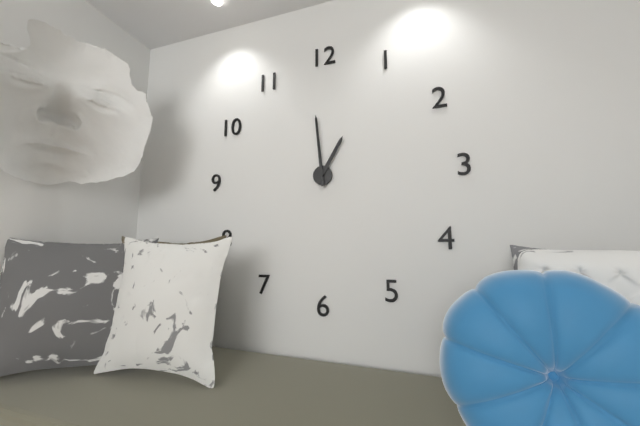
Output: **12:59**
